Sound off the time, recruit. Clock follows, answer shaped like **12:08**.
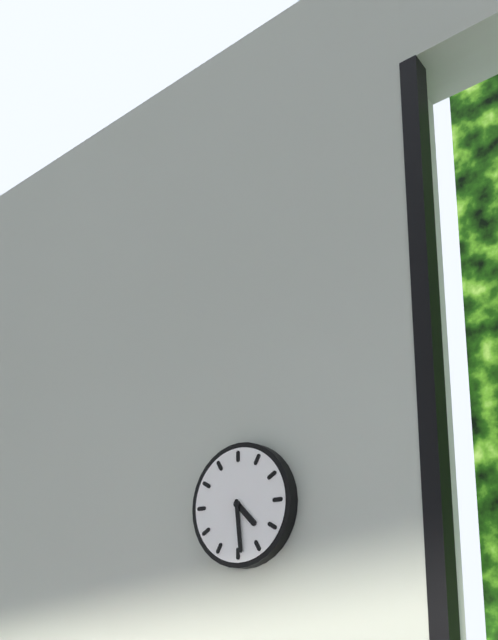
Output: **4:29**
